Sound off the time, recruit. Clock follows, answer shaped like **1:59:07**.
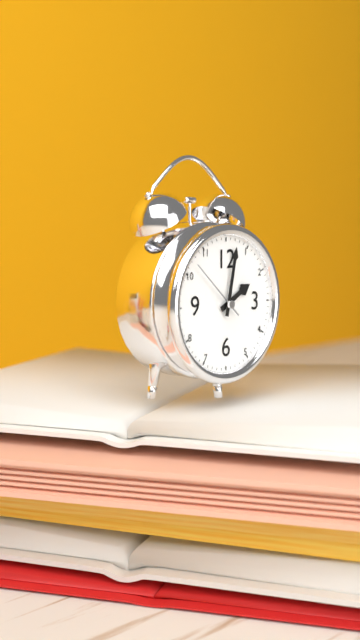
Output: **2:02:52**
